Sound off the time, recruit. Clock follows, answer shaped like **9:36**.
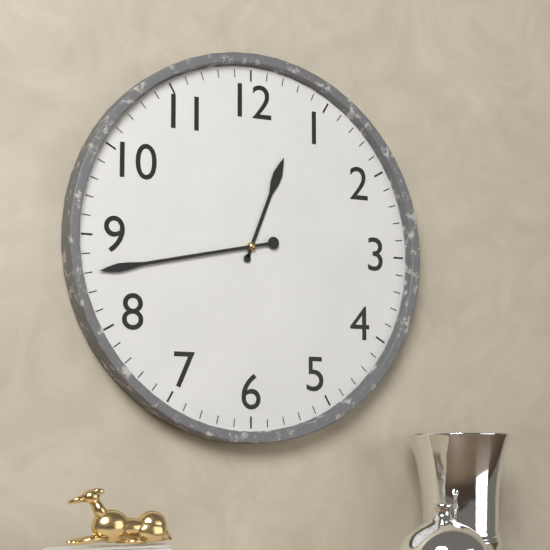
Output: **12:43**
